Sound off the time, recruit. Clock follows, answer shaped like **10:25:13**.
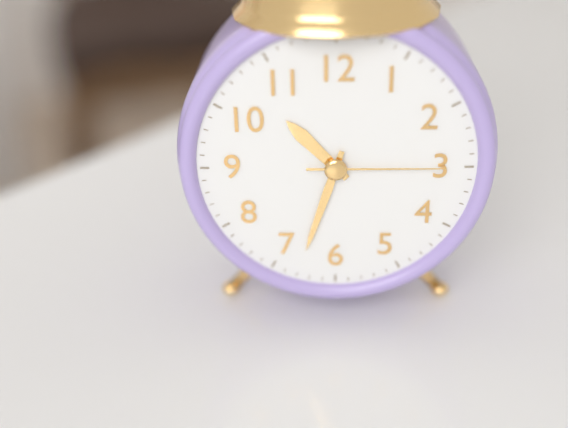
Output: **10:33:15**
